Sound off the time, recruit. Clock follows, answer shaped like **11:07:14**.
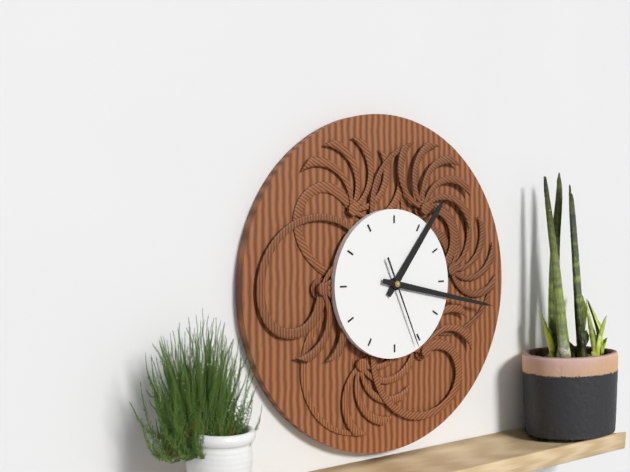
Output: **1:17:26**
